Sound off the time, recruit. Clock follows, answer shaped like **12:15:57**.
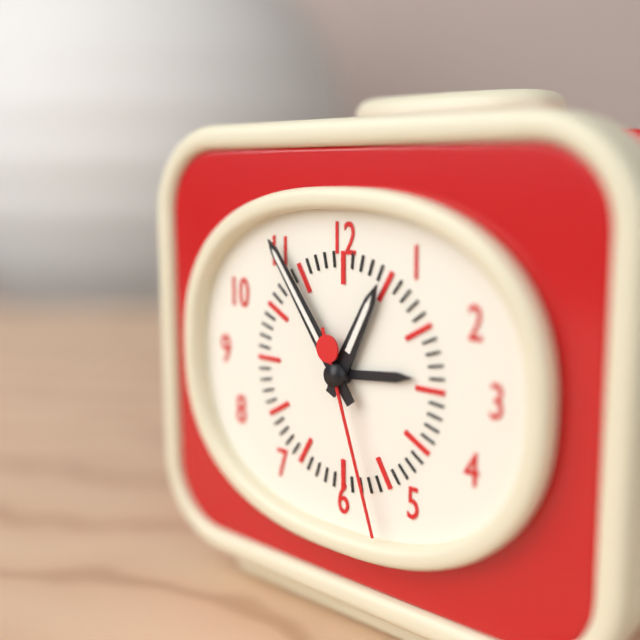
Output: **12:54:27**
